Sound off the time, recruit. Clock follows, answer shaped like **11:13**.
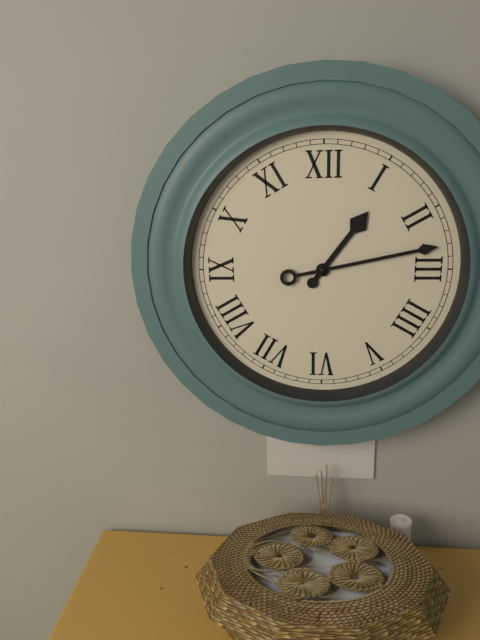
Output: **1:13**
